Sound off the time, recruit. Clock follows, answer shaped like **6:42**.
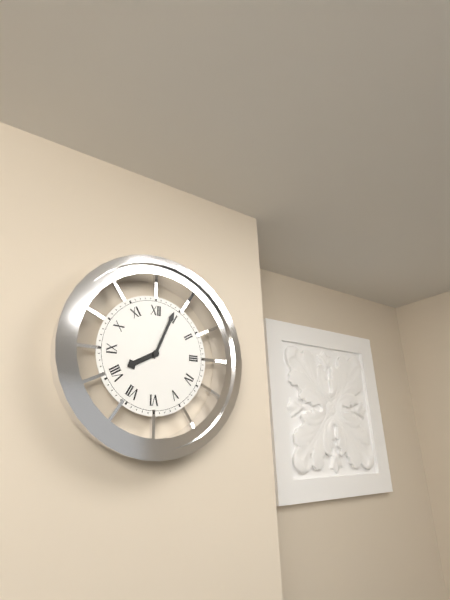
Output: **8:04**
